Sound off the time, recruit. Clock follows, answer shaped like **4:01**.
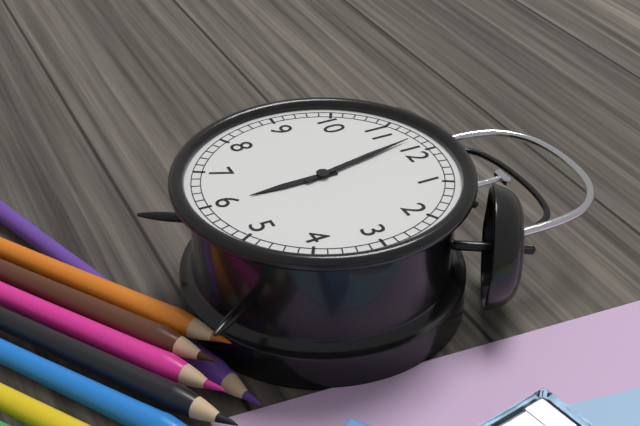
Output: **5:58**
